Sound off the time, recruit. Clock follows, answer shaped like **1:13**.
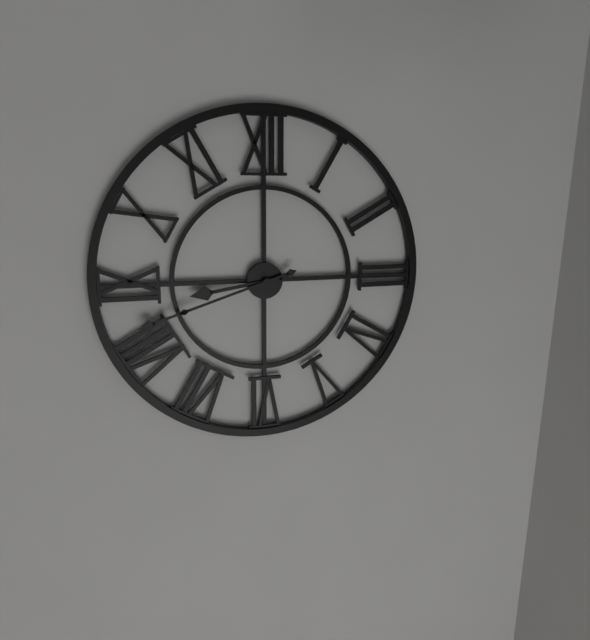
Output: **8:42**
